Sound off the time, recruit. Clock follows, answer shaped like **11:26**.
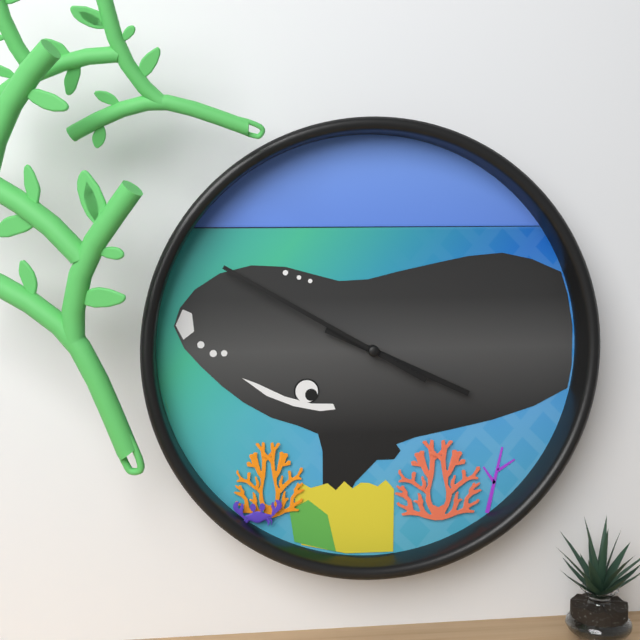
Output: **3:50**
